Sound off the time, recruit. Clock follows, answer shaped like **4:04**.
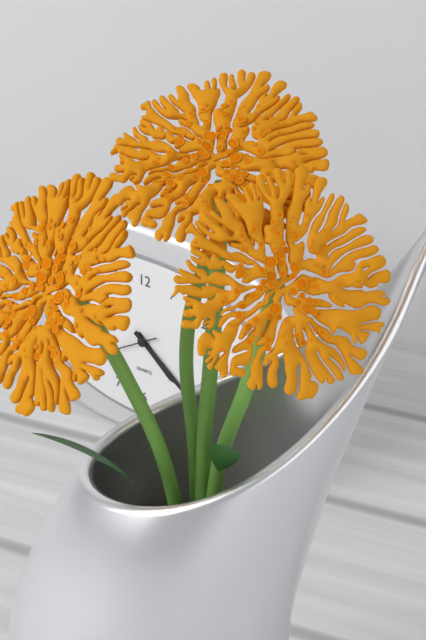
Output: **4:21**
